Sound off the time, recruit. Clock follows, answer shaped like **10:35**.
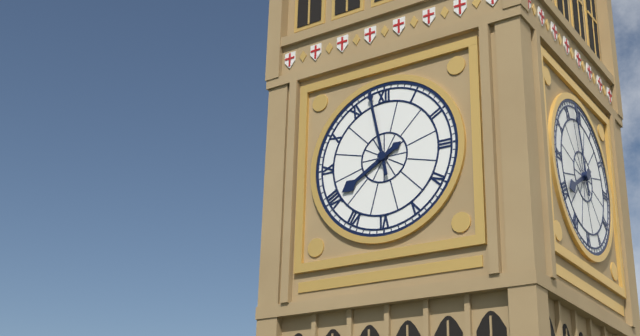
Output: **7:58**
